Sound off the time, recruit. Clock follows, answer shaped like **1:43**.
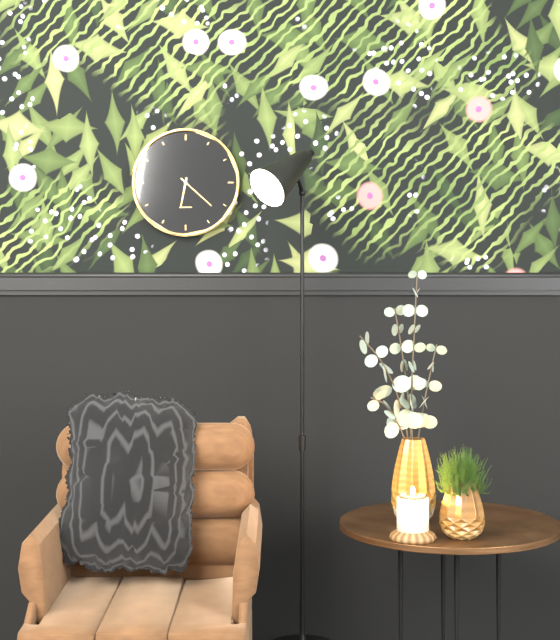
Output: **6:22**
